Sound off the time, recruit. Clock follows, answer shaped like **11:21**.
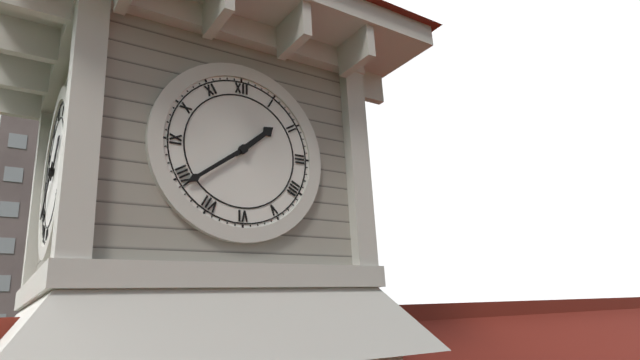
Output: **1:39**
